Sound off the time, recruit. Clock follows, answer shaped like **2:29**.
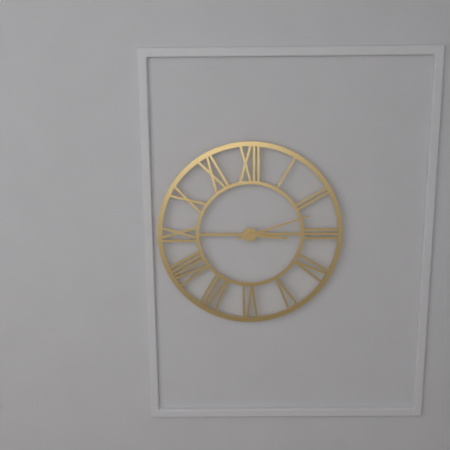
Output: **3:12**
